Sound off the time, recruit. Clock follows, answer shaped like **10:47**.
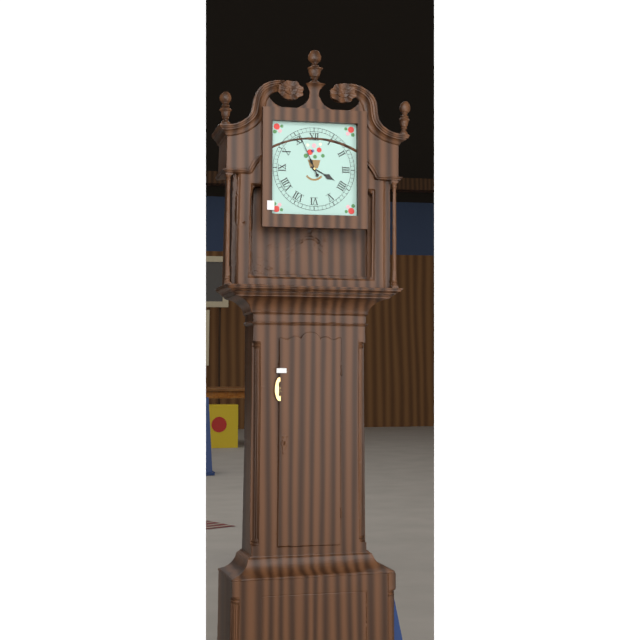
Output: **3:56**
